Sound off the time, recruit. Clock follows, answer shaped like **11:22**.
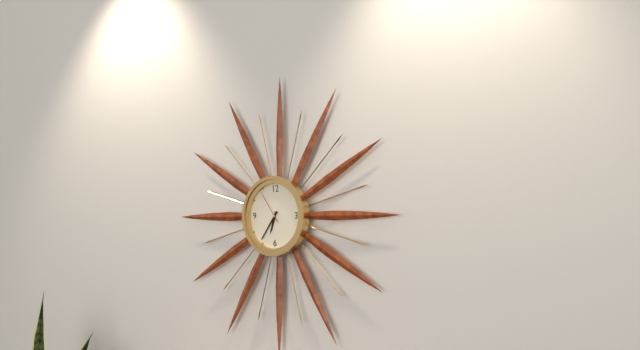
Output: **6:36**
